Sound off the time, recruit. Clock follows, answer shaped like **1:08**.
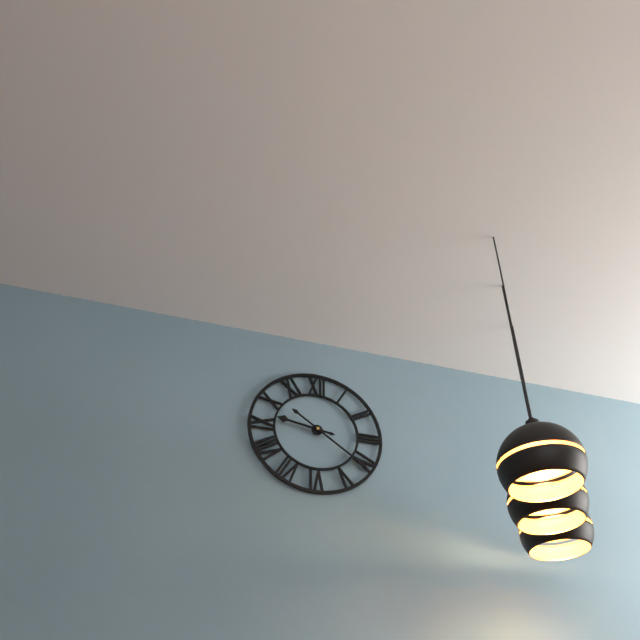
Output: **9:21**
